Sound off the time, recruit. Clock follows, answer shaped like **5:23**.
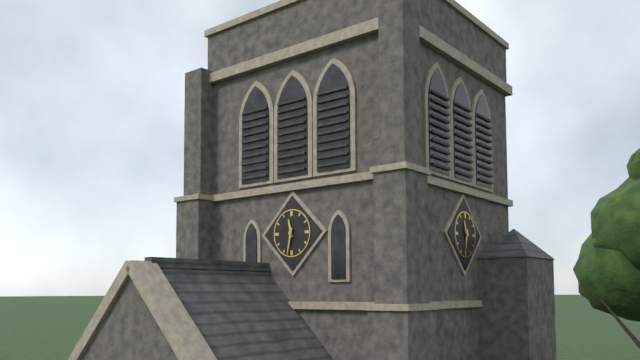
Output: **11:32**
